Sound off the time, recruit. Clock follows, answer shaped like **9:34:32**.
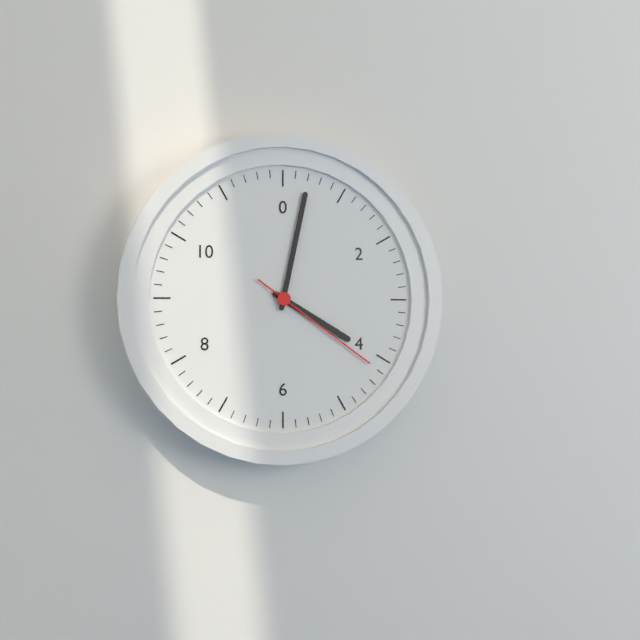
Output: **4:02:21**
